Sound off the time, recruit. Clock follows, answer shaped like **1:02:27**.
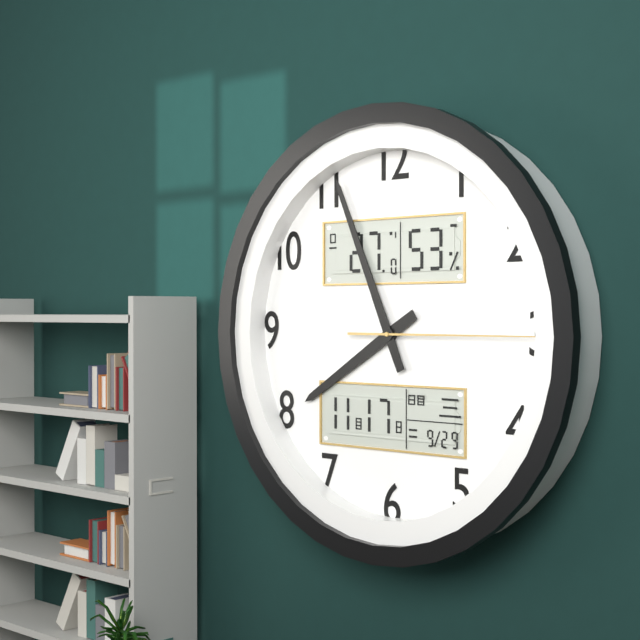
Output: **7:56:15**
